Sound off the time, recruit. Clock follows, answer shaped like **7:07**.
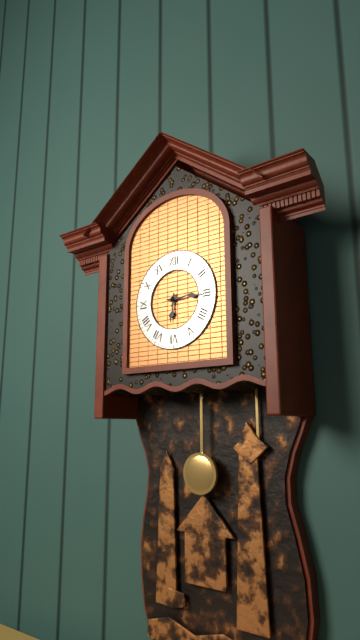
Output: **6:15**
